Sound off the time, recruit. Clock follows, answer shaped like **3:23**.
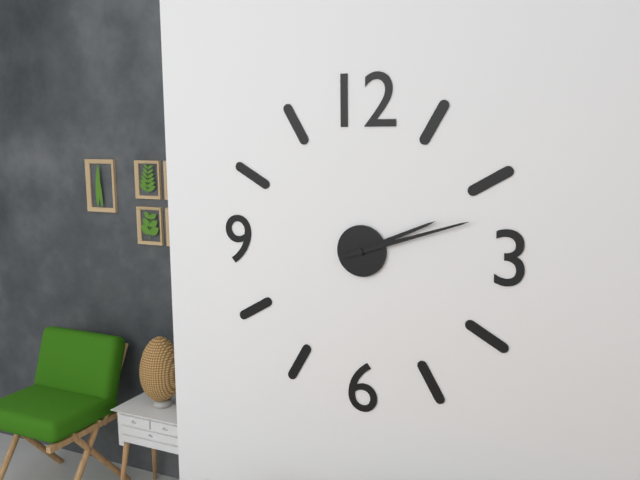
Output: **2:12**
